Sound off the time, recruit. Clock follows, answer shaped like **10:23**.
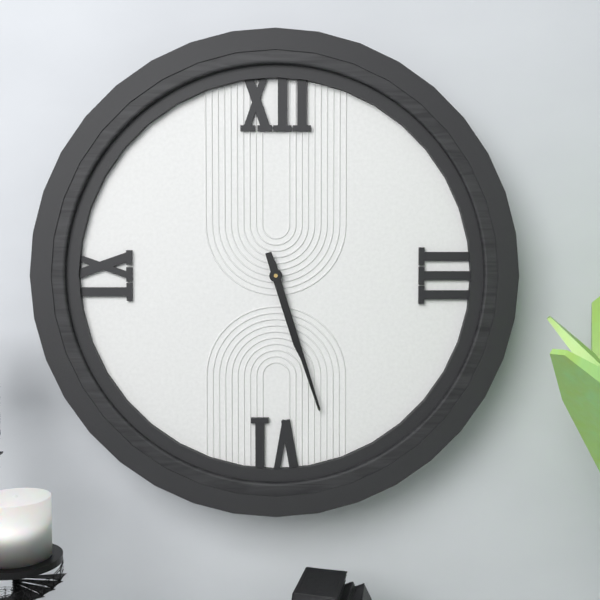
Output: **5:27**
